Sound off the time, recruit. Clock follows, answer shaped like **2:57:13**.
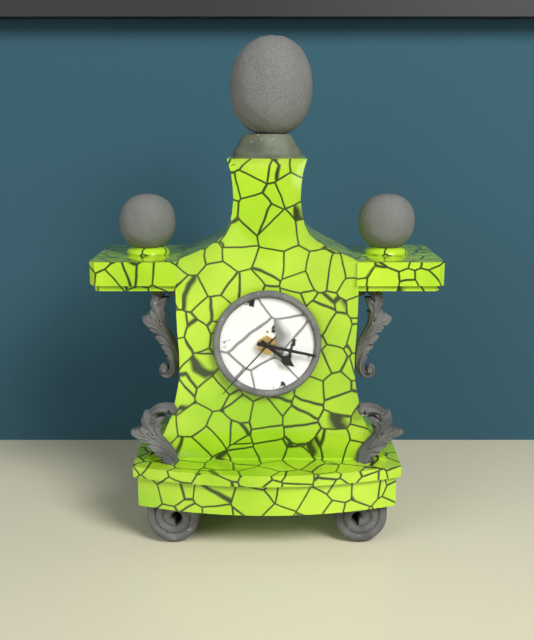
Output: **4:17:37**
